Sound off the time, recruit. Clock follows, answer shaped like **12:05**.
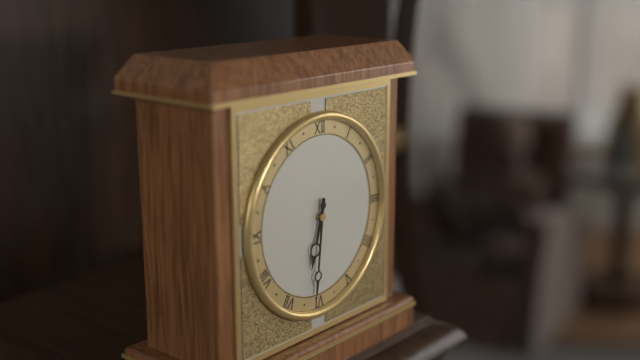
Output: **6:31**
